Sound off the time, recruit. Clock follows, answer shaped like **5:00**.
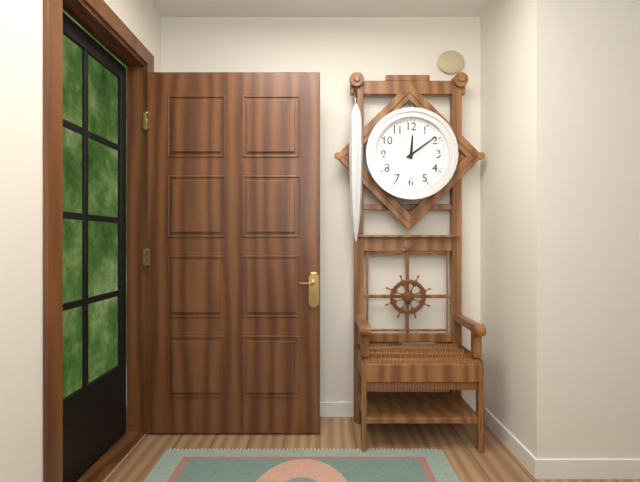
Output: **12:09**
